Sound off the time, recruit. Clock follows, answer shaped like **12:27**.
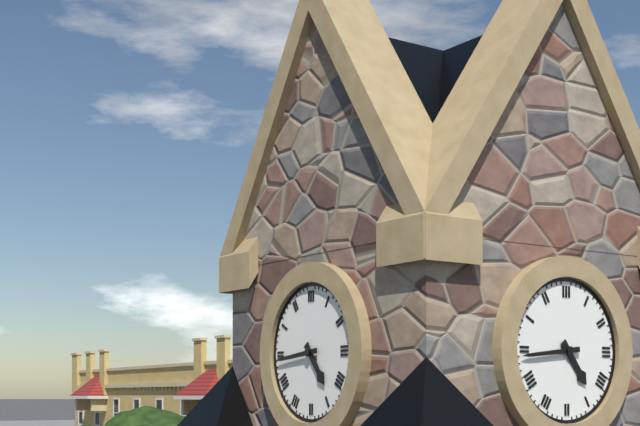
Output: **4:44**
